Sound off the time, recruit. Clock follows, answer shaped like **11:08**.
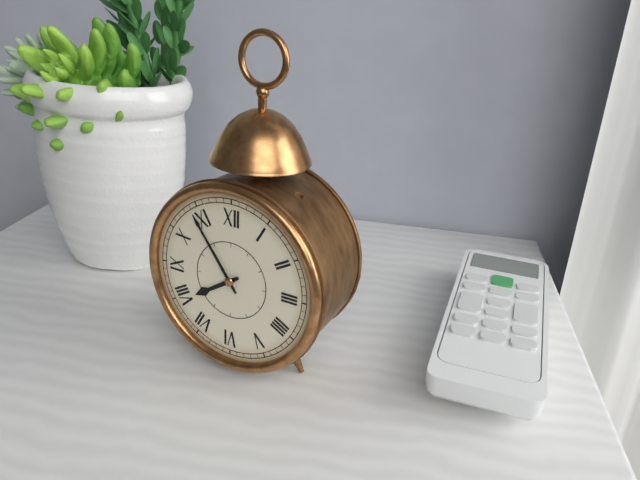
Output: **7:54**
